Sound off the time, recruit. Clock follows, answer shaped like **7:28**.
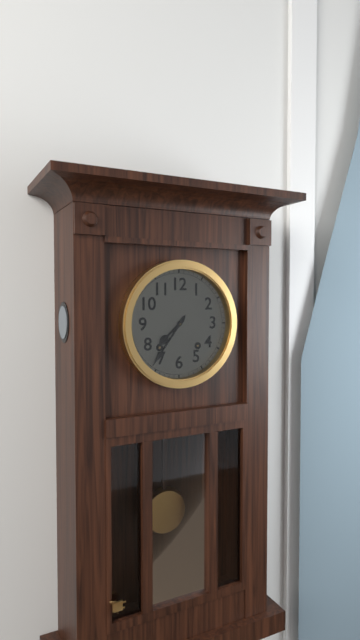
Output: **7:36**
